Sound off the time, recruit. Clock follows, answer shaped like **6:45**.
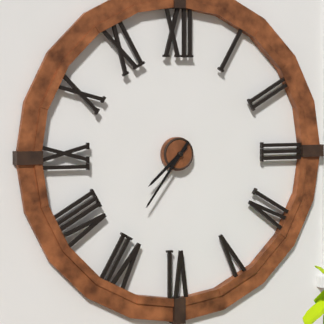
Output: **7:36**
